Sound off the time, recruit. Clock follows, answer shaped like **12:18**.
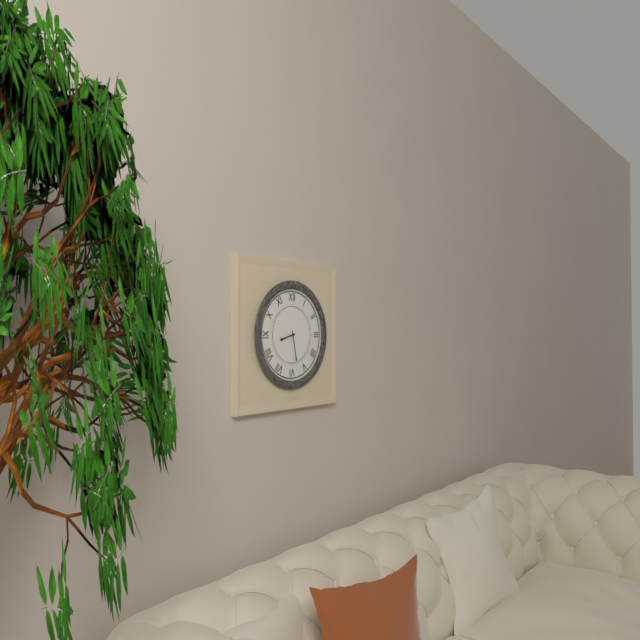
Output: **8:28**
